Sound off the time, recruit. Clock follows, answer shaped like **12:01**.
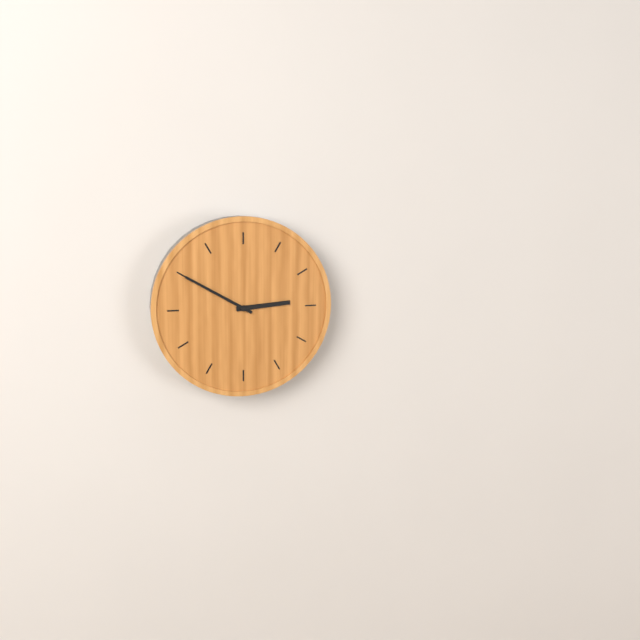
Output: **2:50**
